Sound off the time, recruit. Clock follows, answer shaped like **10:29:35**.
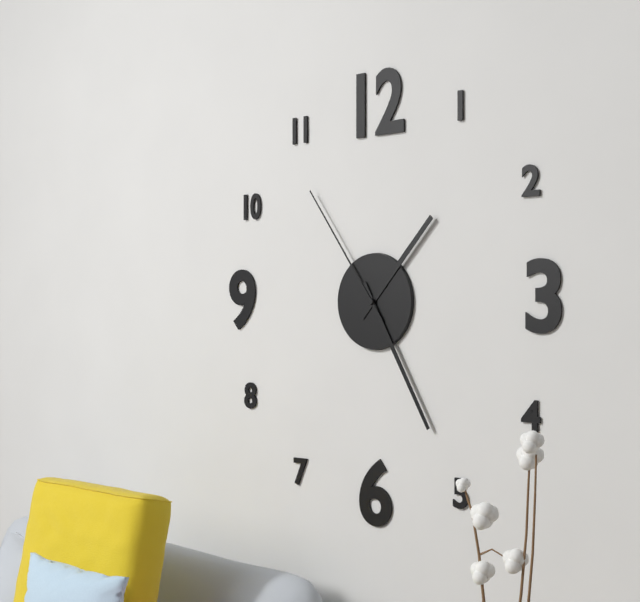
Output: **1:25:54**
